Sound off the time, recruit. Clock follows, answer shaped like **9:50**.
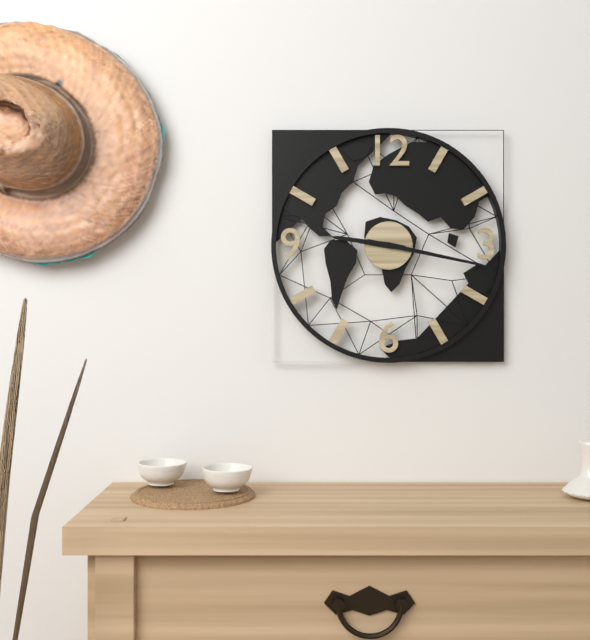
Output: **9:17**
